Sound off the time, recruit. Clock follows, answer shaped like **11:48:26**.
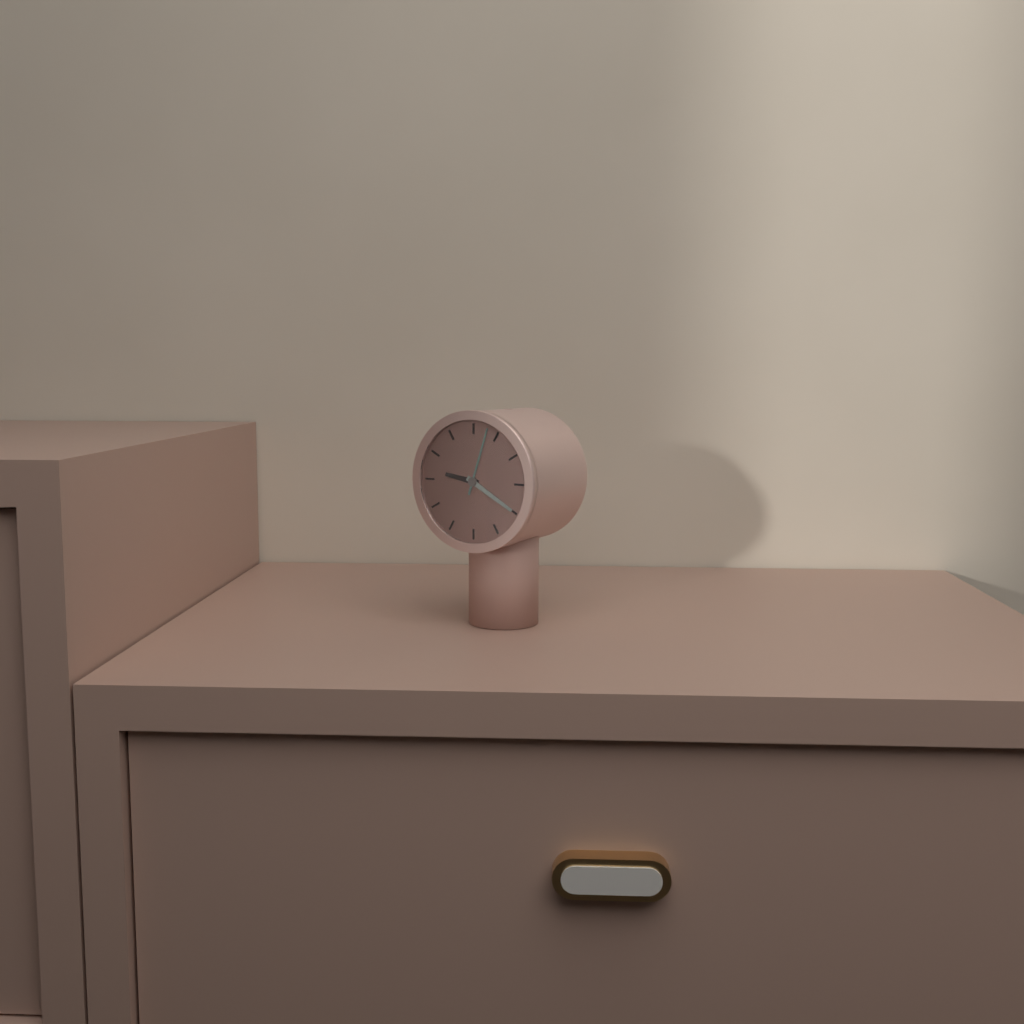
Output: **9:20:03**
